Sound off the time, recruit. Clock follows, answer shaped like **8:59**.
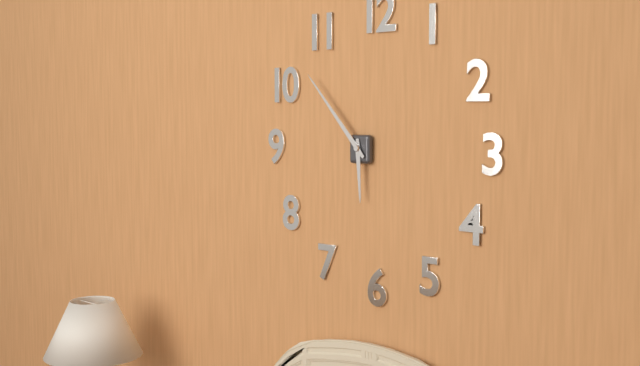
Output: **5:53**
